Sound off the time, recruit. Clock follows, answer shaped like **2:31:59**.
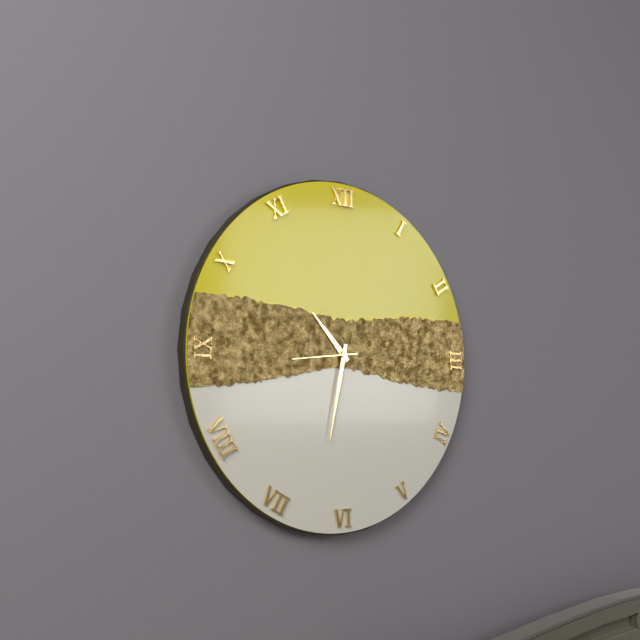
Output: **10:32:44**
